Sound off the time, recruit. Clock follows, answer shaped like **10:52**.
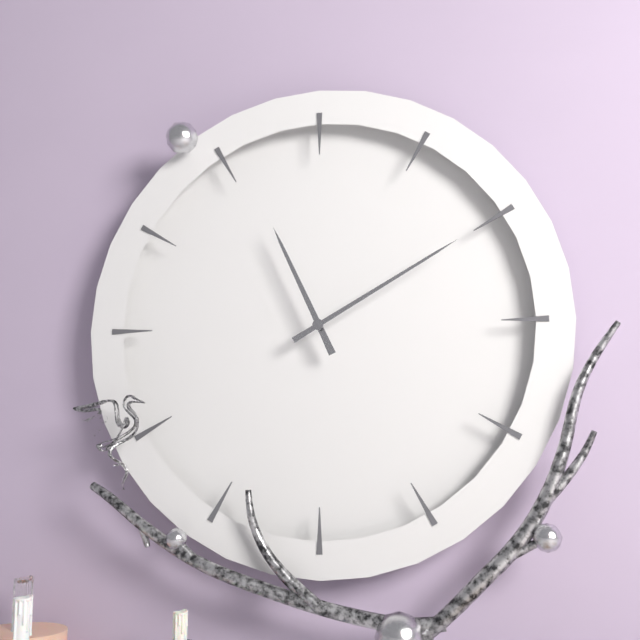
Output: **11:10**
